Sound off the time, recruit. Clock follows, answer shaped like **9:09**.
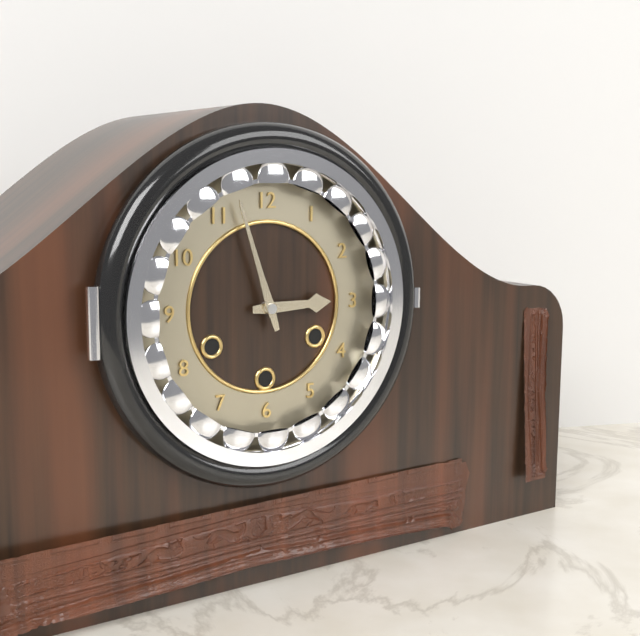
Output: **2:57**
